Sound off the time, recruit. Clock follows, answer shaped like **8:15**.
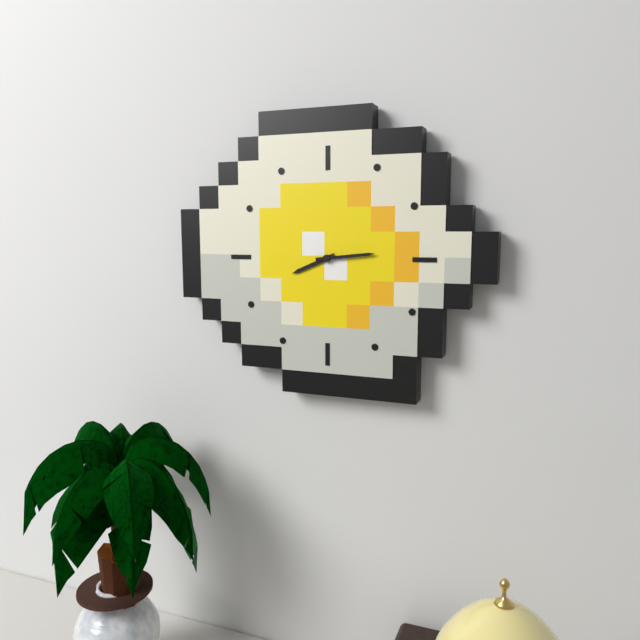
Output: **8:14**
